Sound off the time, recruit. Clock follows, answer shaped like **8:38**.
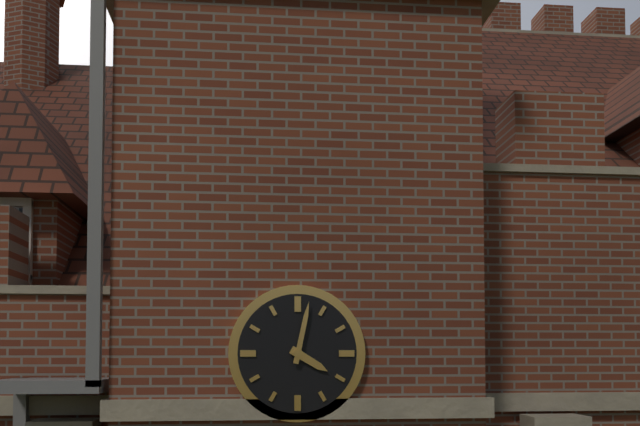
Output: **4:02**
